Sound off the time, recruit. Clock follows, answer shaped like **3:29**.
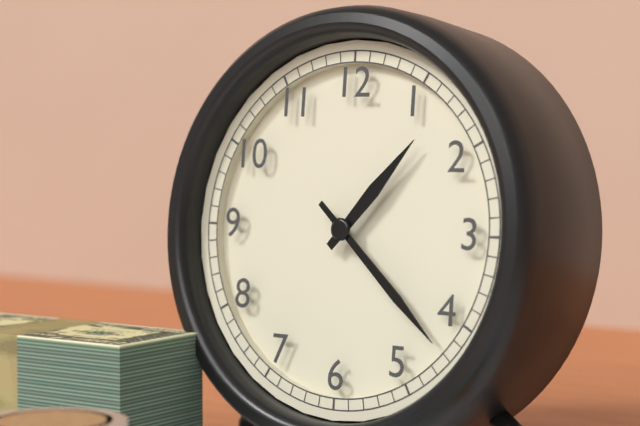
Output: **1:22**
